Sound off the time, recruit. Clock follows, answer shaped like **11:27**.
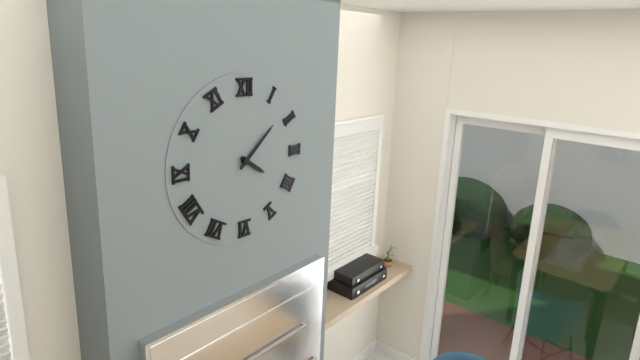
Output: **4:08**
